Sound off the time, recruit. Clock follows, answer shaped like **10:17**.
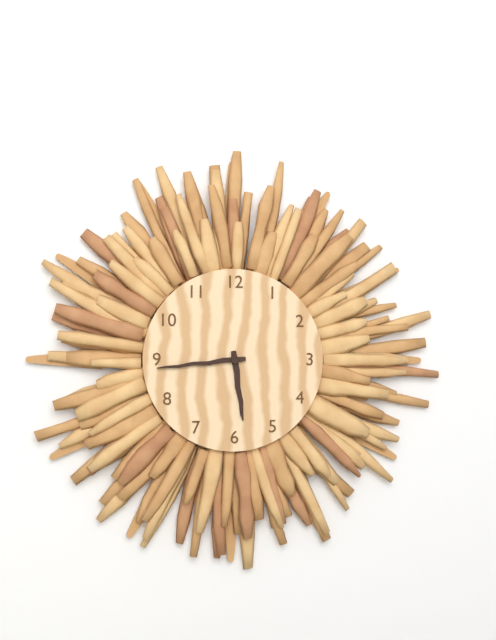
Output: **5:44**
